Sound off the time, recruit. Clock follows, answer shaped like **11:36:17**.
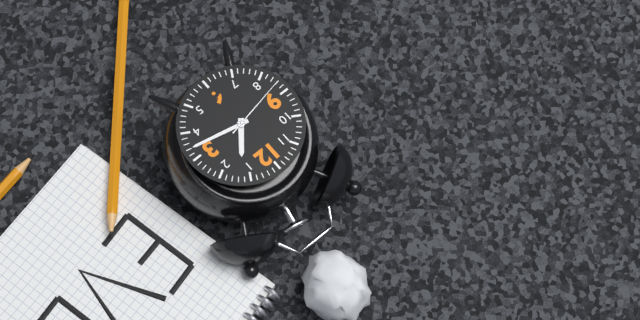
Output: **1:17:43**
